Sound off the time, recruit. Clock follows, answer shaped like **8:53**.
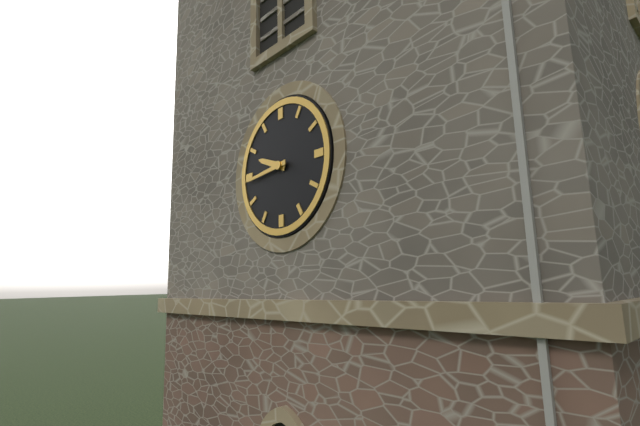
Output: **9:44**
